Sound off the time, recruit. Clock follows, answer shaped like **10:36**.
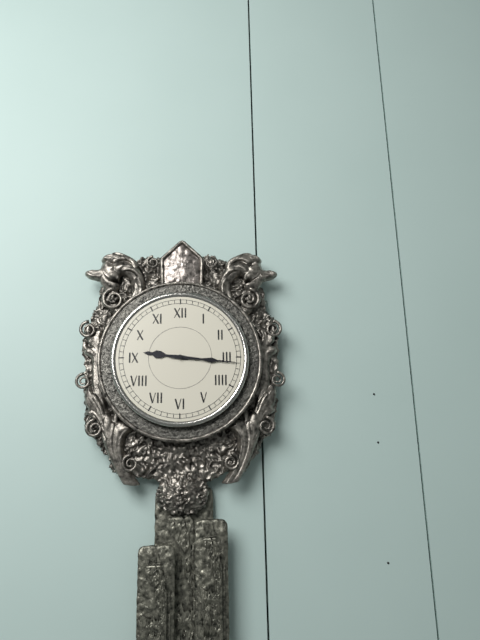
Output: **9:16**
